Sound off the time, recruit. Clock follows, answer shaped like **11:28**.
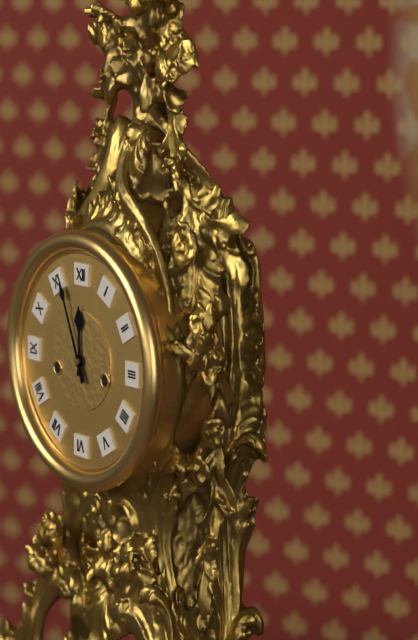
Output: **11:56**
